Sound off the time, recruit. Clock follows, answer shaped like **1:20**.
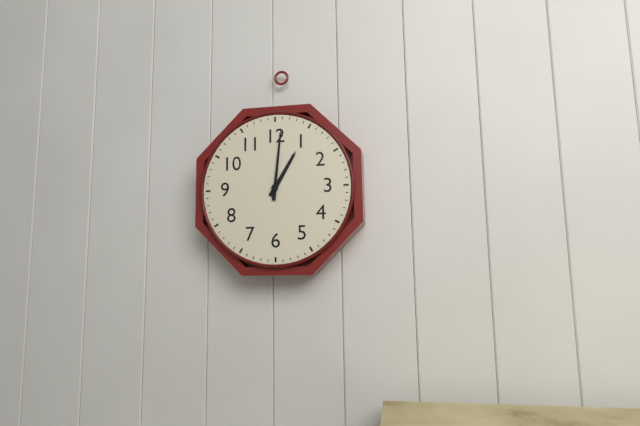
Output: **1:01**
